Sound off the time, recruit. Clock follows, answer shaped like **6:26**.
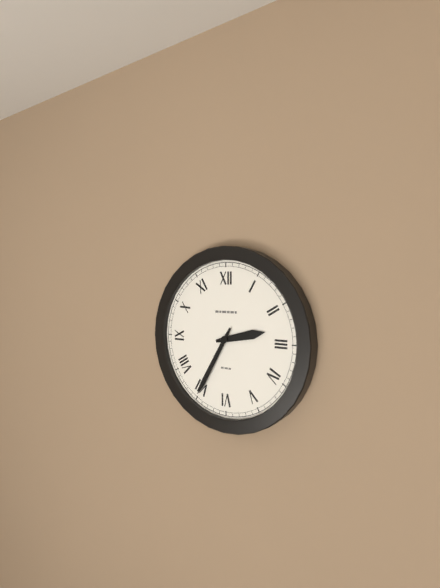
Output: **2:35**
